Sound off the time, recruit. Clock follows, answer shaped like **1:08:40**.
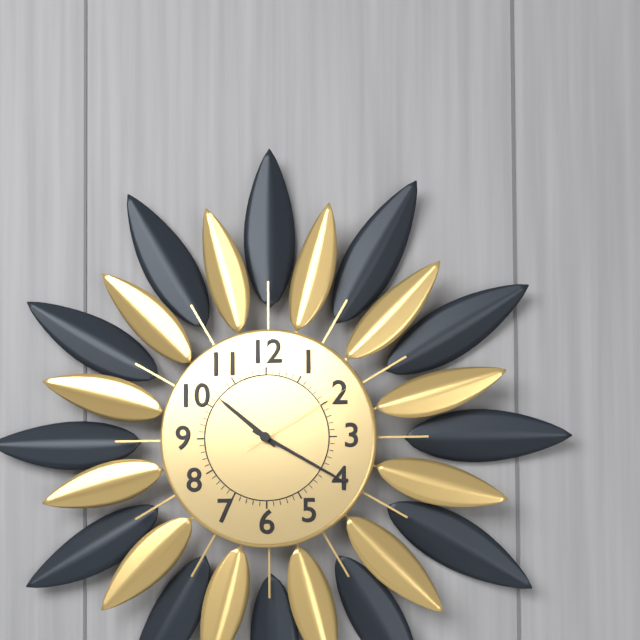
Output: **10:20:10**
